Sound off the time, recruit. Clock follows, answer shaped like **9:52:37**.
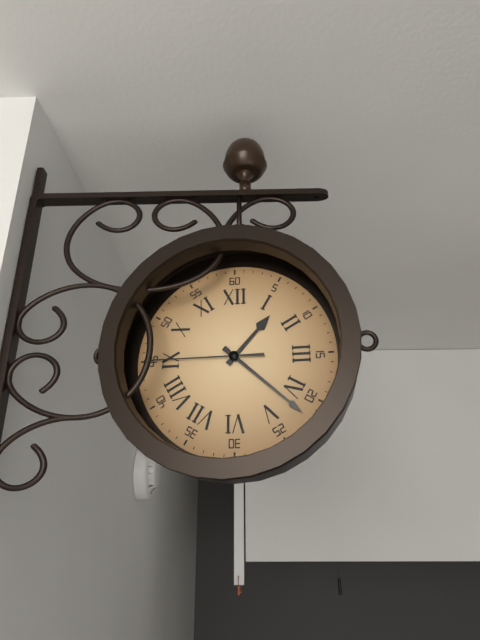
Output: **1:22:45**
